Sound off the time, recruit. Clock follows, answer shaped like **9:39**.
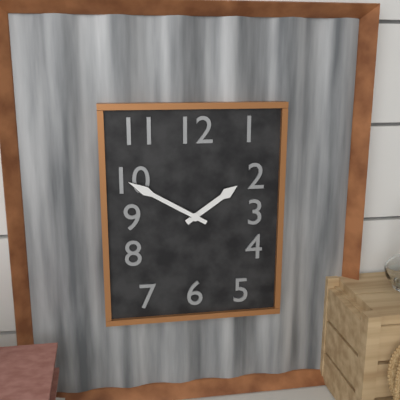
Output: **1:50**
